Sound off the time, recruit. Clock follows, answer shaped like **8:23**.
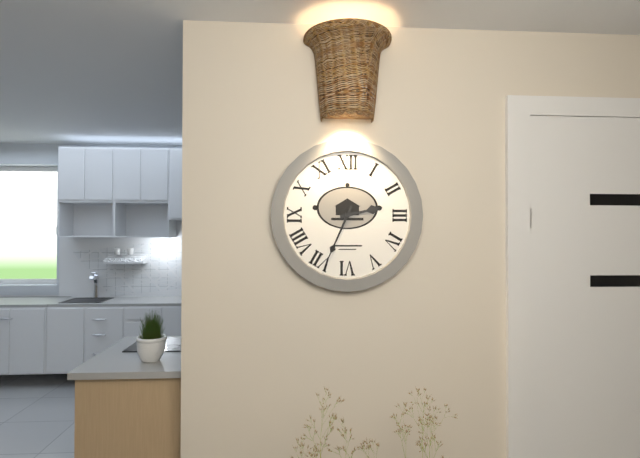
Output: **2:34**
